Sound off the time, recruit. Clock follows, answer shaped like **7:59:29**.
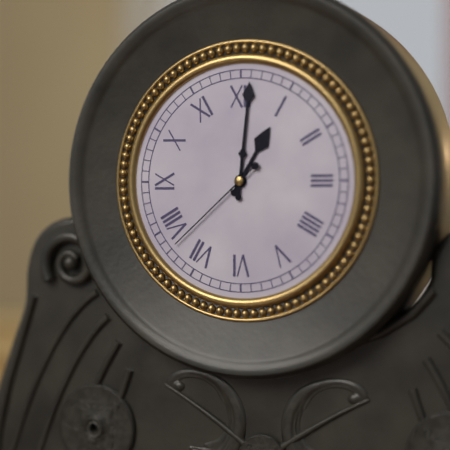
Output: **1:01:38**
